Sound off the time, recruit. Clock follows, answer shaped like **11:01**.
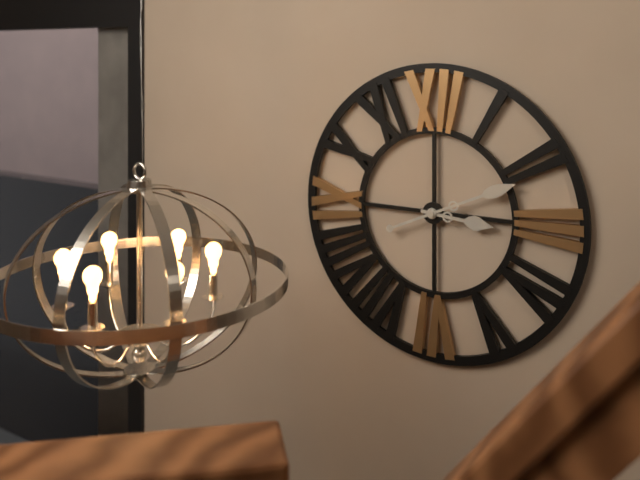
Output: **3:11**
